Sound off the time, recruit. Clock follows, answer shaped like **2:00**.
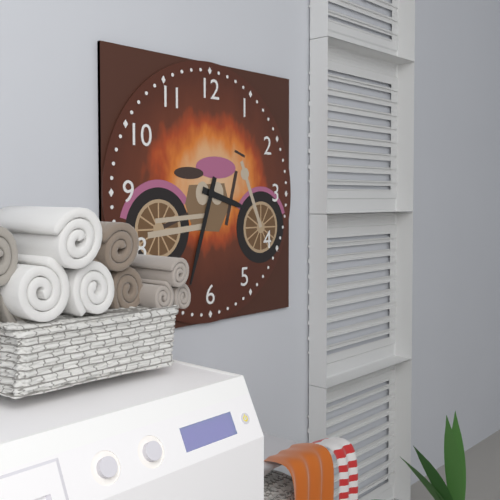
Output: **3:33**
